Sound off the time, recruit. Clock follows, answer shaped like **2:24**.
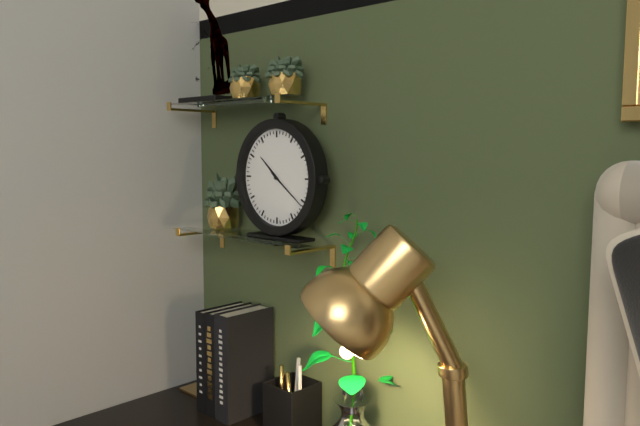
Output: **10:21**
